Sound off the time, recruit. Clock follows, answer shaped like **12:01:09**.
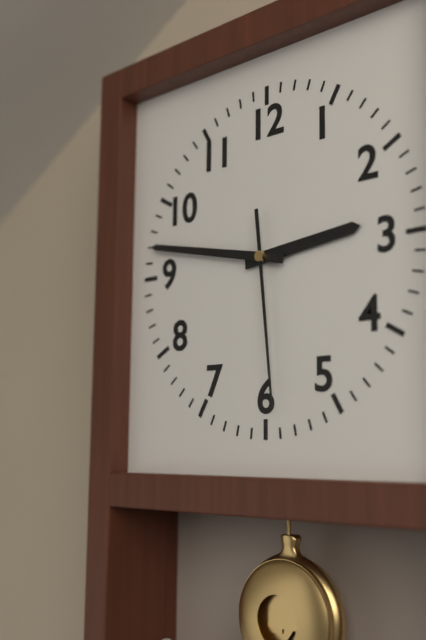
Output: **2:47:29**
